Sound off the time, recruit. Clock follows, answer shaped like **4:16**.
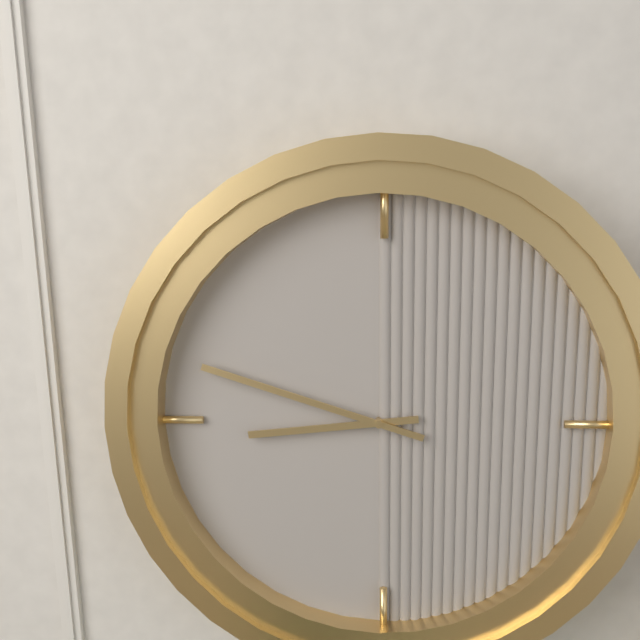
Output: **8:48**
